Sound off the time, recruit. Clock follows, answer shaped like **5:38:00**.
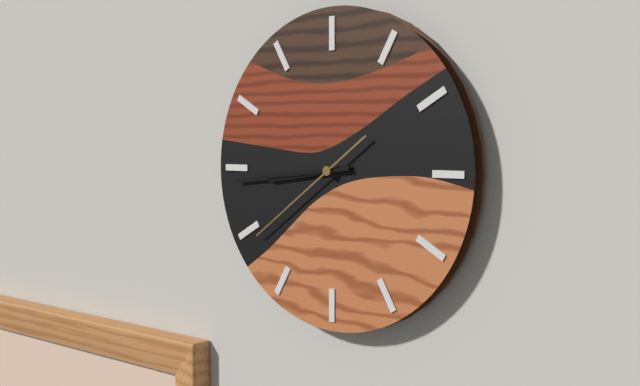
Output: **8:44:39**
